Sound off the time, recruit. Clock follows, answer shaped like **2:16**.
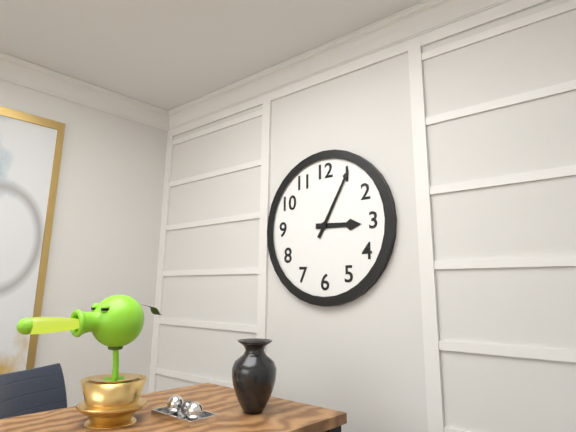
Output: **3:05**
